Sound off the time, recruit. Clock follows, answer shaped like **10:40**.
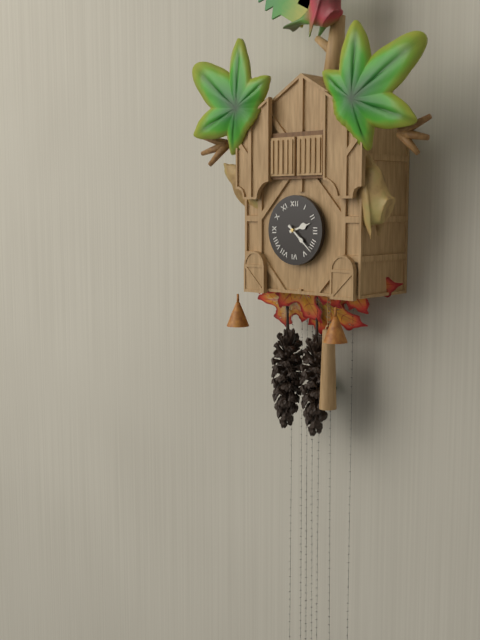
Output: **2:22**
